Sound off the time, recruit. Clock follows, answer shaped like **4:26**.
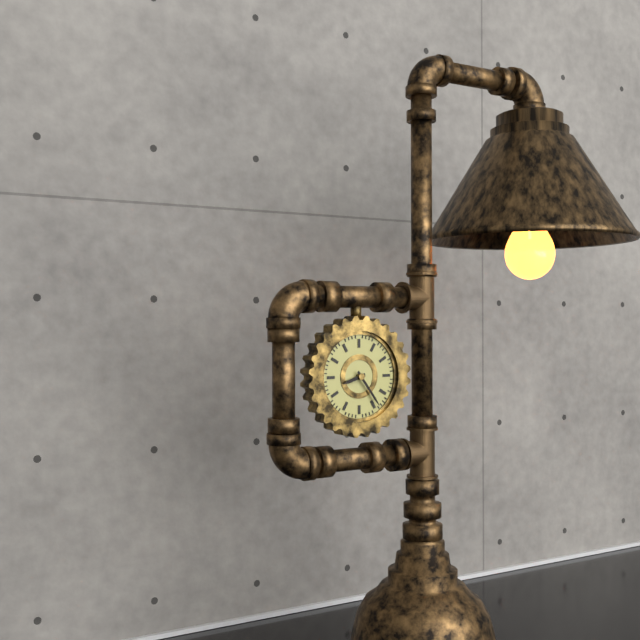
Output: **8:24**
